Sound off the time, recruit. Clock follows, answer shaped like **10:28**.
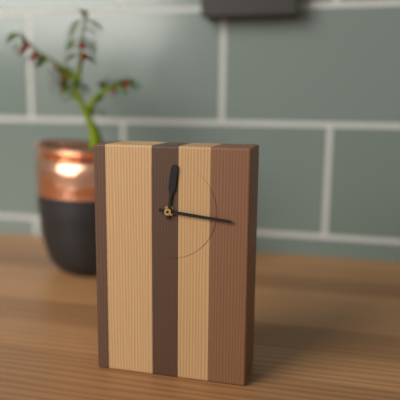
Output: **12:16**
